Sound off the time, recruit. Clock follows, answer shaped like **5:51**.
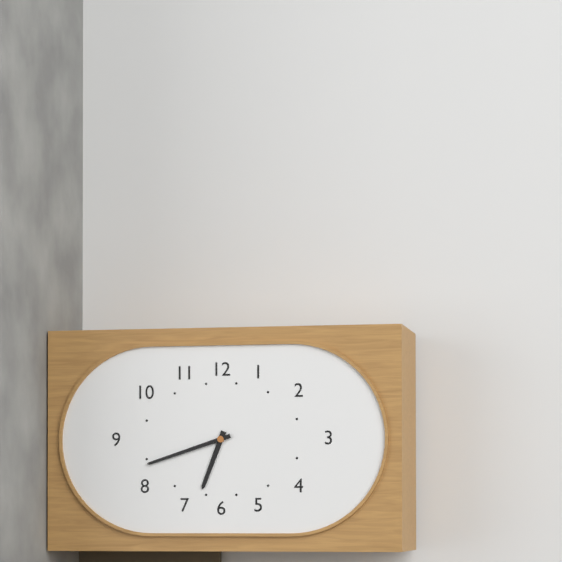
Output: **6:42**
